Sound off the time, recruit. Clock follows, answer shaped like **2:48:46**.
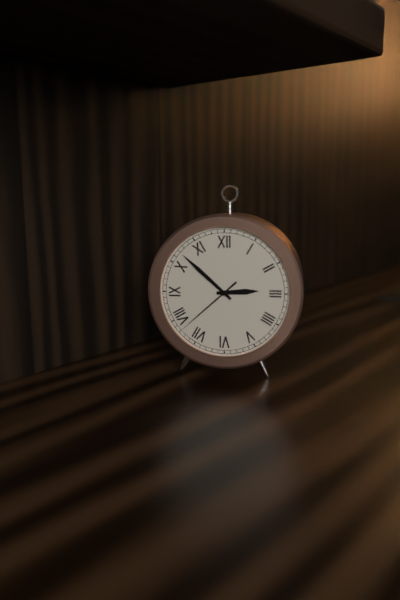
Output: **2:52:38**
